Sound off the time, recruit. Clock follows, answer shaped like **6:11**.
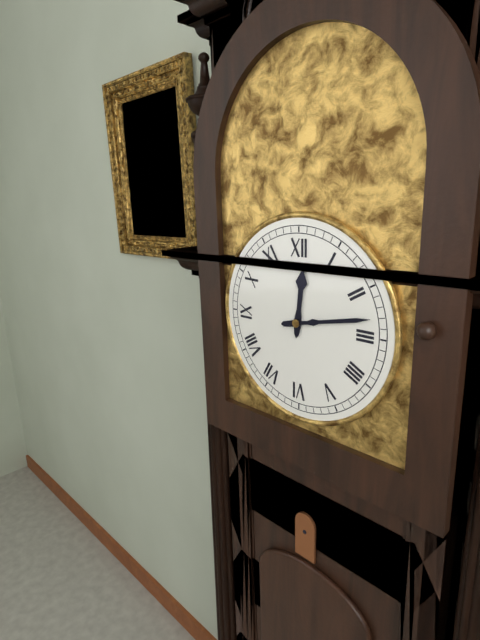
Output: **12:13**
